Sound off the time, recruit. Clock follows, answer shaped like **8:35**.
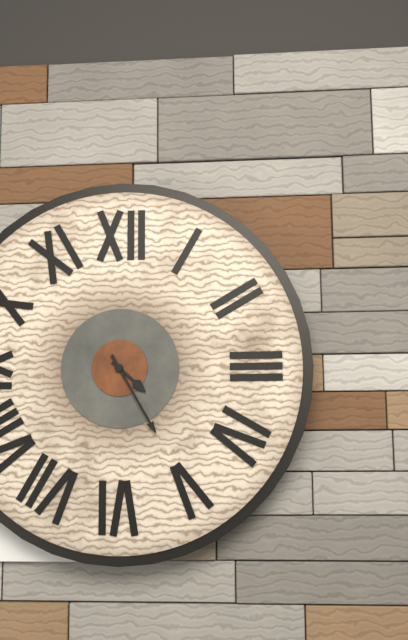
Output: **4:25**
